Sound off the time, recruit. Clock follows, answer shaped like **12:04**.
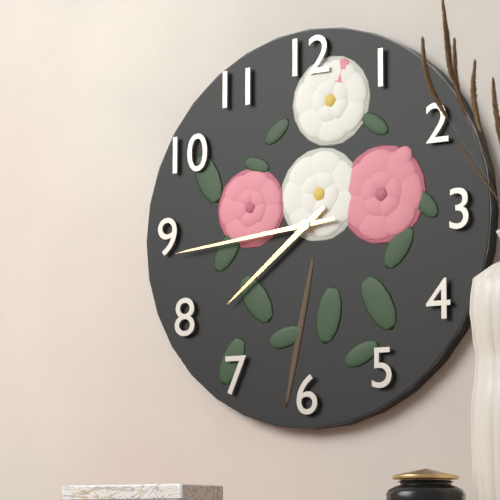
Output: **7:44**
